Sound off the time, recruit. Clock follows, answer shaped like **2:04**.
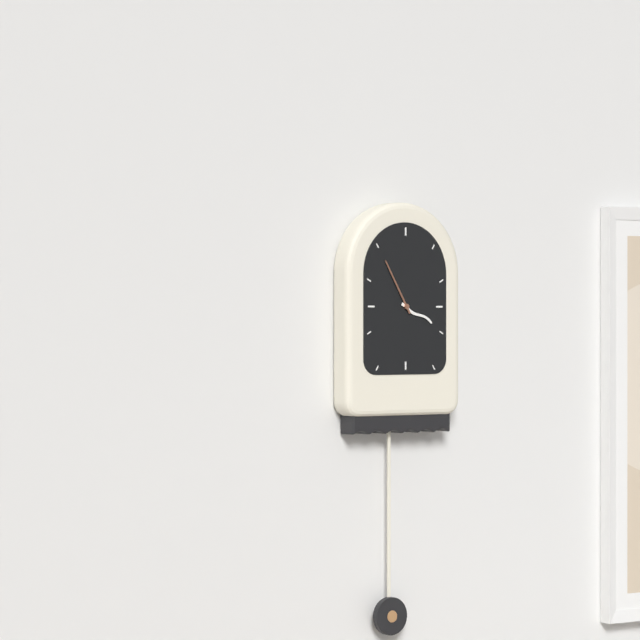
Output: **3:55**
